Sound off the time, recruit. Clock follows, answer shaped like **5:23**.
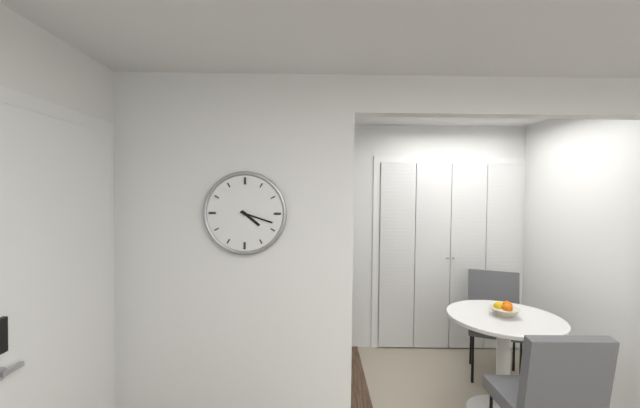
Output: **4:18**
